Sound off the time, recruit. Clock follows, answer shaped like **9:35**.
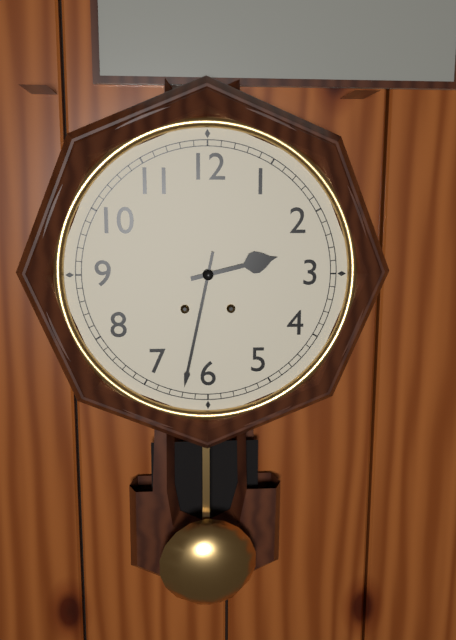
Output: **2:32**
